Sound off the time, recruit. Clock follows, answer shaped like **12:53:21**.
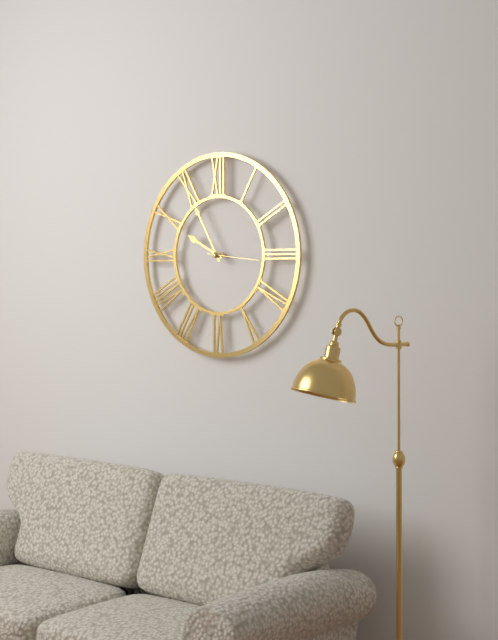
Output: **9:55:16**
